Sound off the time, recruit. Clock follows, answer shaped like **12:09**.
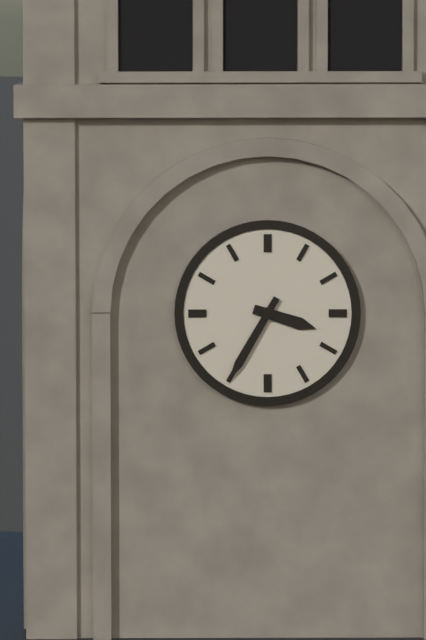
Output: **3:35**
